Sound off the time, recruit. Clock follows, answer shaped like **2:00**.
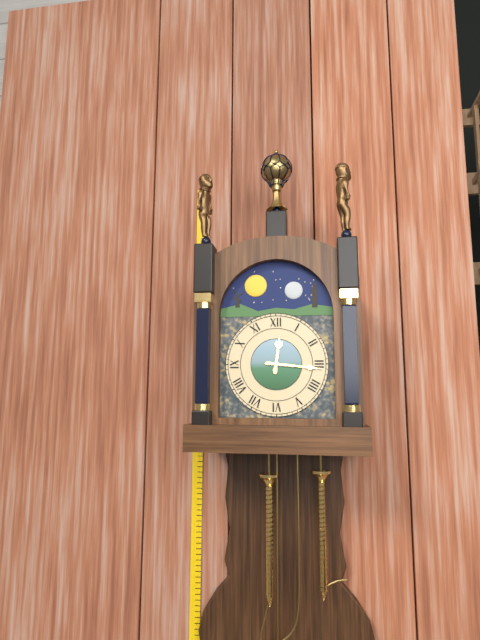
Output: **12:16**
